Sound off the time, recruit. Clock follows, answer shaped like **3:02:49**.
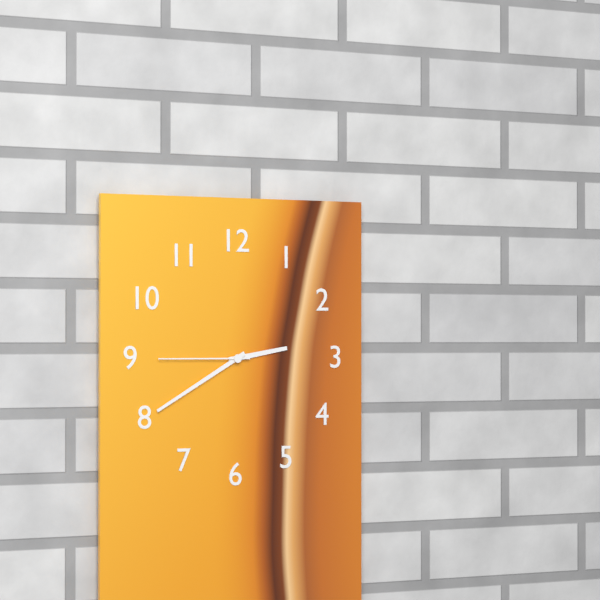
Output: **2:40:45**
